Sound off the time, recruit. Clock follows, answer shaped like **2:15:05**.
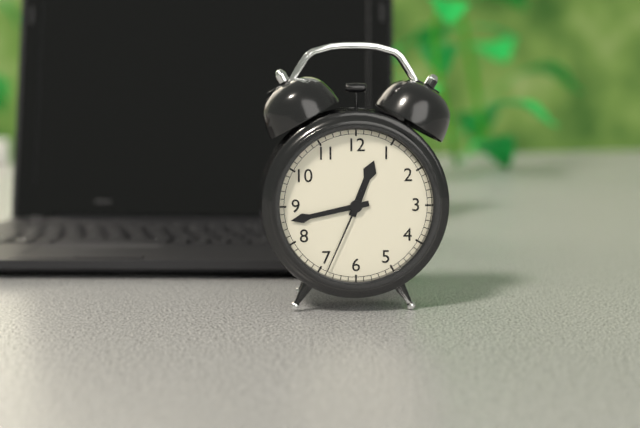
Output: **12:43:34**
